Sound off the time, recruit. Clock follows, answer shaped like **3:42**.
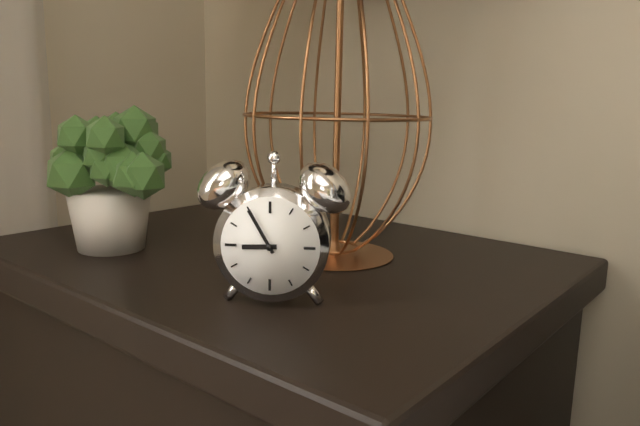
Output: **8:55**
